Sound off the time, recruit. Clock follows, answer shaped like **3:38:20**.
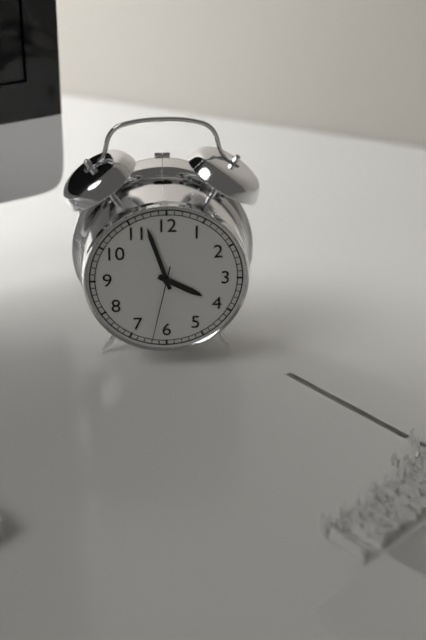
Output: **3:57:32**
